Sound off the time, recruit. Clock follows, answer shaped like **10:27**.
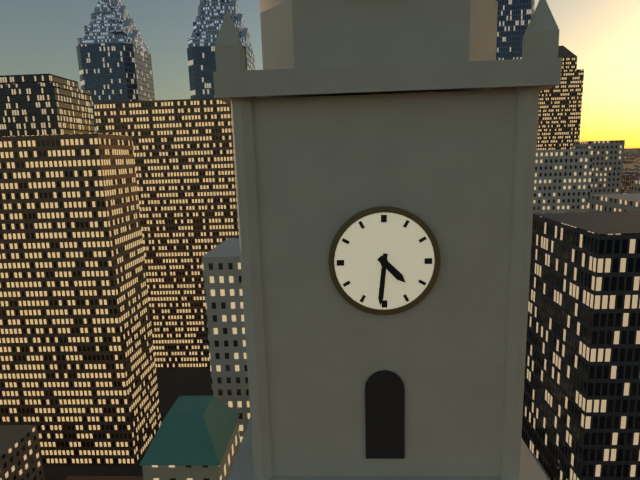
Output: **4:31**
